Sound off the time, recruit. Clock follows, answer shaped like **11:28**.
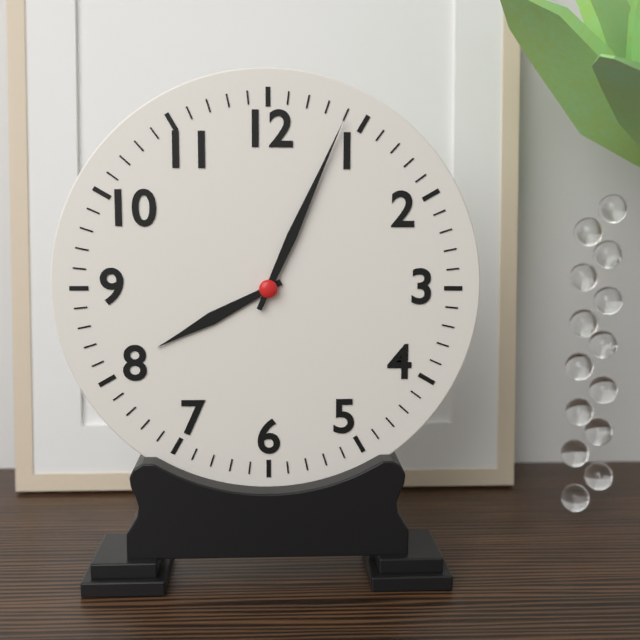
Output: **8:04**
